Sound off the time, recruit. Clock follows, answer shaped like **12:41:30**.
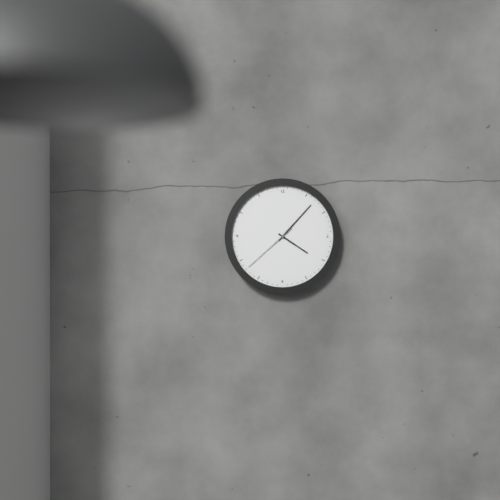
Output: **4:07:38**
